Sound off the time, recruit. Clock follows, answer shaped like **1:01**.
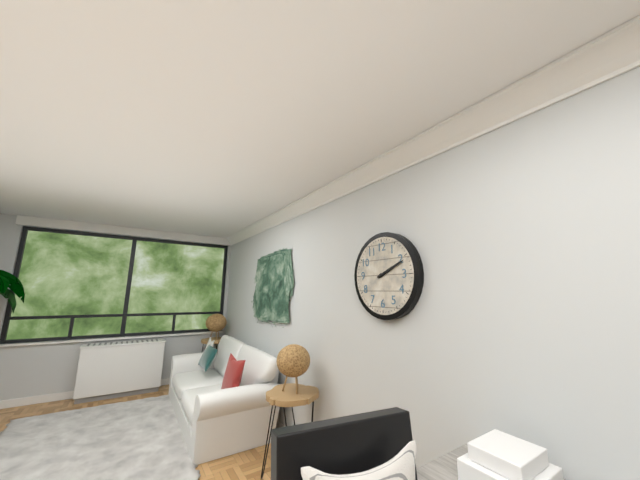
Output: **2:11**
